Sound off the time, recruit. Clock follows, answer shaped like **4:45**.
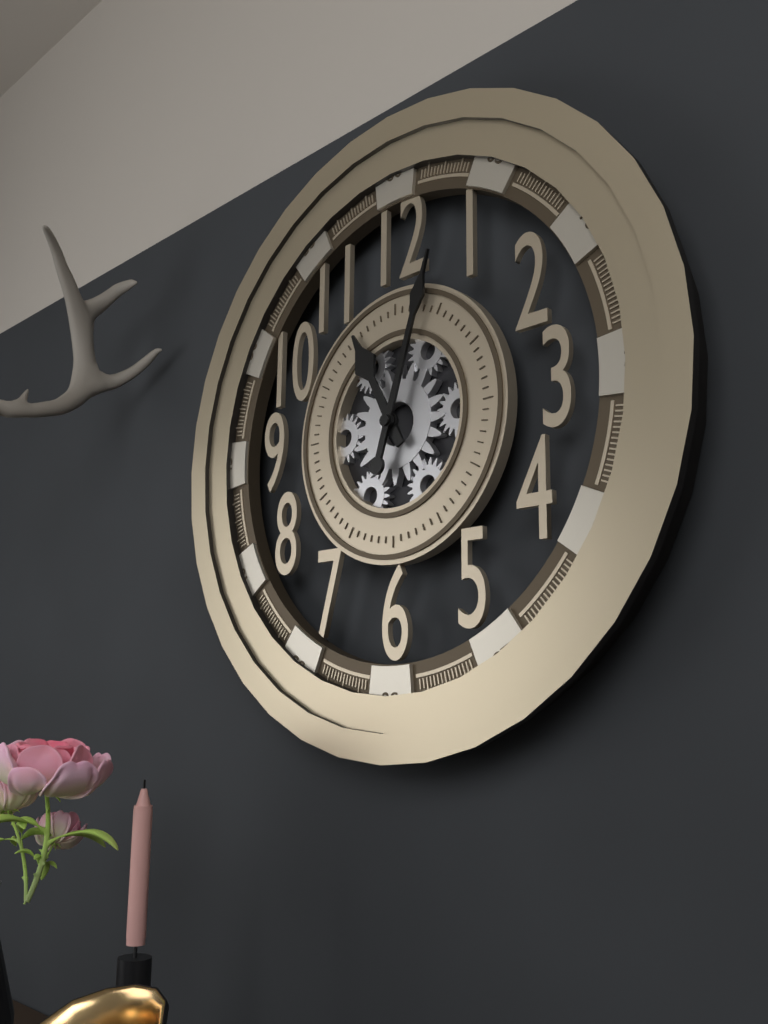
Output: **11:03**
